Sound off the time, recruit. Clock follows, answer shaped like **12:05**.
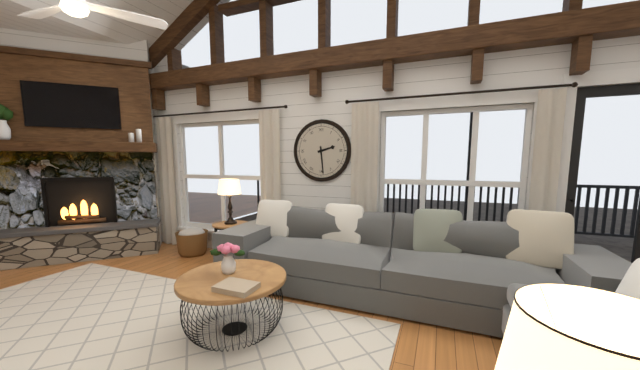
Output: **2:29**
